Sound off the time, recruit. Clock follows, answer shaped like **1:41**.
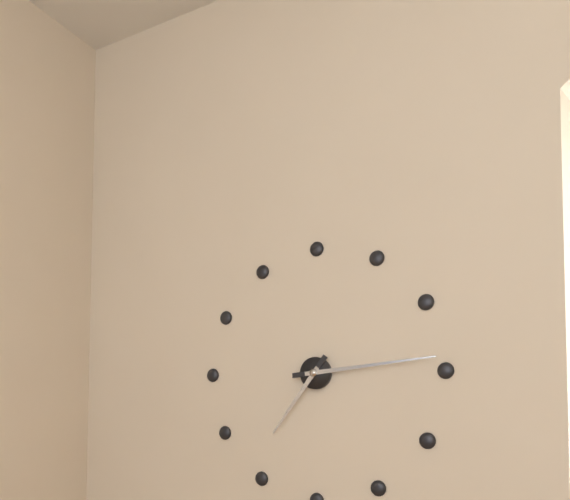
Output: **7:14**
